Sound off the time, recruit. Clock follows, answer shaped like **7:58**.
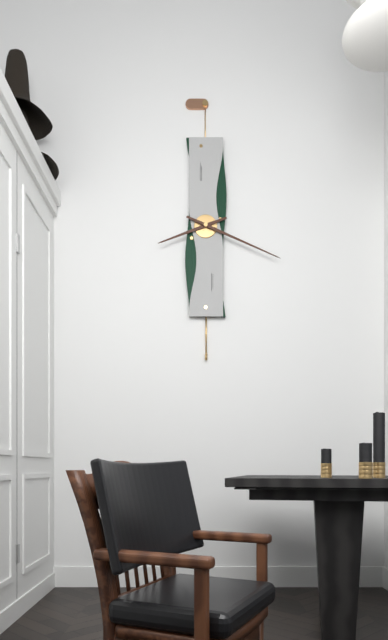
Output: **8:19**
